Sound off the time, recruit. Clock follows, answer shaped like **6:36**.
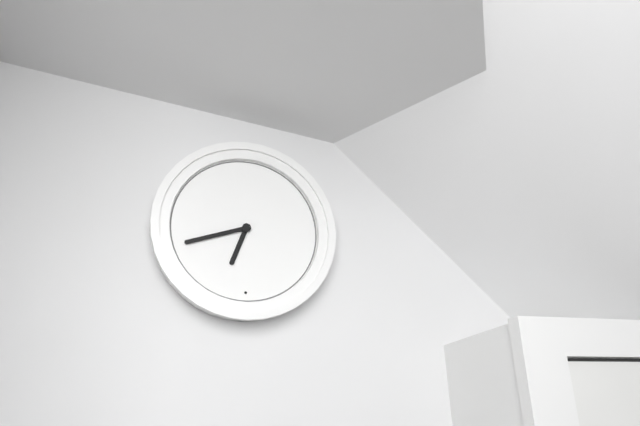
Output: **6:42**
